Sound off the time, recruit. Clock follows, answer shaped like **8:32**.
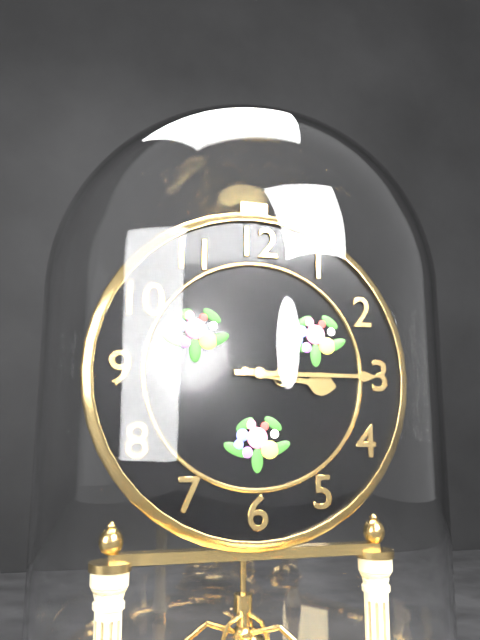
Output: **3:15**
